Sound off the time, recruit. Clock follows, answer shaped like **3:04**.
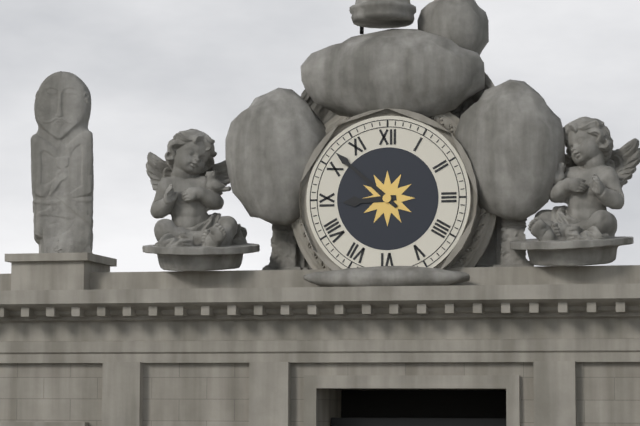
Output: **8:52**
